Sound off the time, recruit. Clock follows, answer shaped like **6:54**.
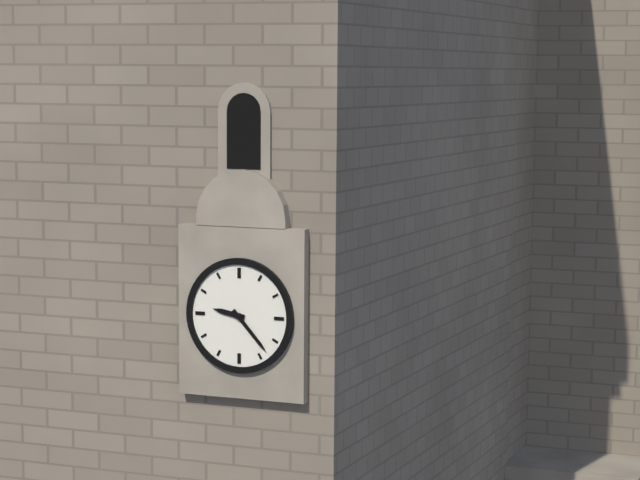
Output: **9:23**
